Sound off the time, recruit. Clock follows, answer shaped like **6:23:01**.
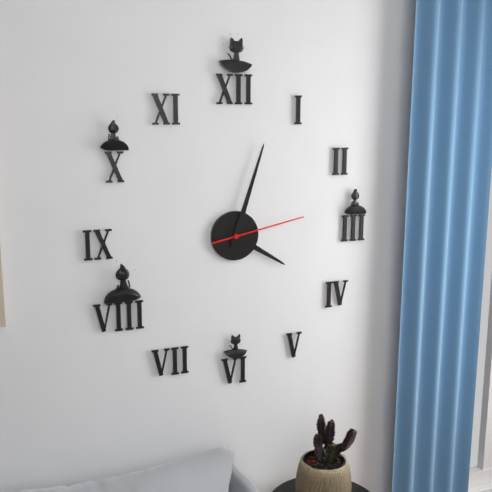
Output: **4:03:13**
